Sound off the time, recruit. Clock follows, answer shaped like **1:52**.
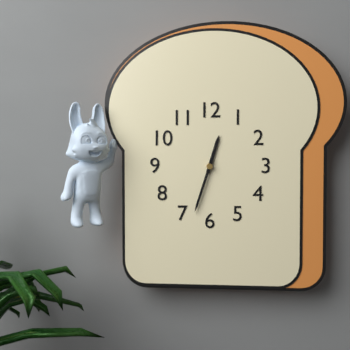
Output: **12:33**
